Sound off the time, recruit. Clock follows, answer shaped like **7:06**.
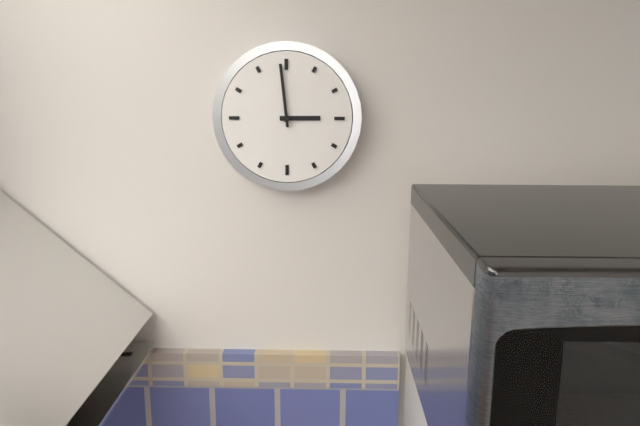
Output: **2:59**
